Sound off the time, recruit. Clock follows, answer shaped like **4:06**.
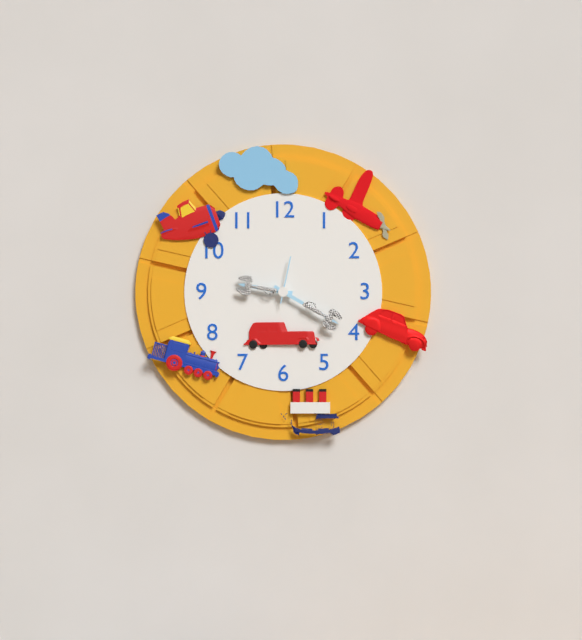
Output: **9:20**
